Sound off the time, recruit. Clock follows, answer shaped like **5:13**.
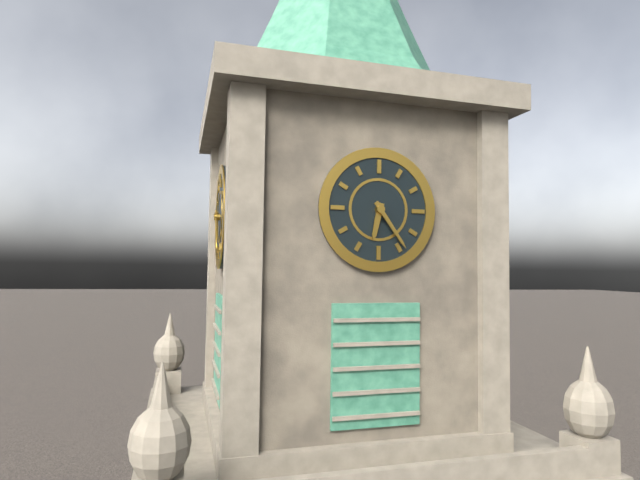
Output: **6:24**
